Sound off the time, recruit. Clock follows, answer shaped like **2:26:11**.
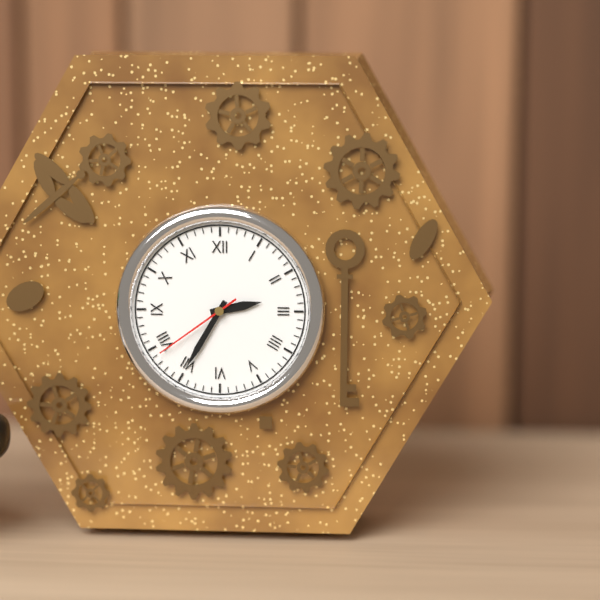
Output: **2:35:39**
